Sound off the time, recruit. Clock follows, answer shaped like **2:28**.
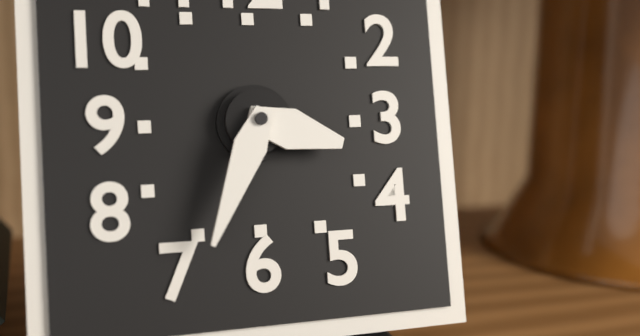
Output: **3:34**
